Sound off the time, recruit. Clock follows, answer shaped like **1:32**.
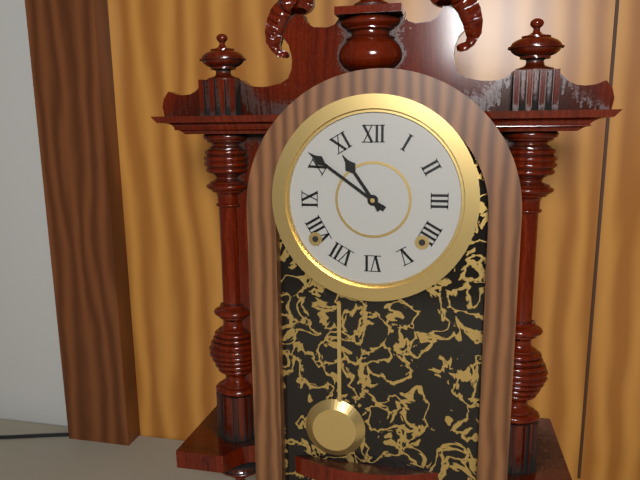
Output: **10:51**
